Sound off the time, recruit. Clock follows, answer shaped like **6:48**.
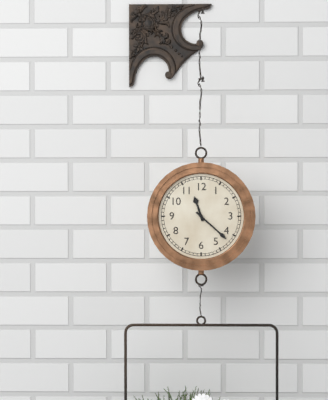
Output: **11:22**
